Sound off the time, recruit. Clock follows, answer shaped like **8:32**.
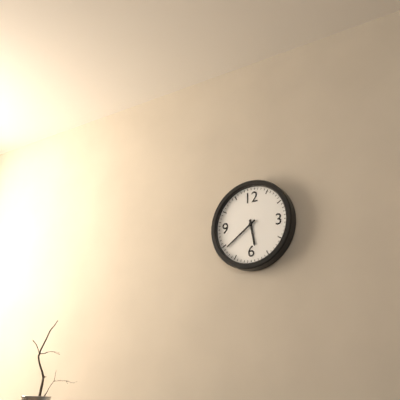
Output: **5:39**
